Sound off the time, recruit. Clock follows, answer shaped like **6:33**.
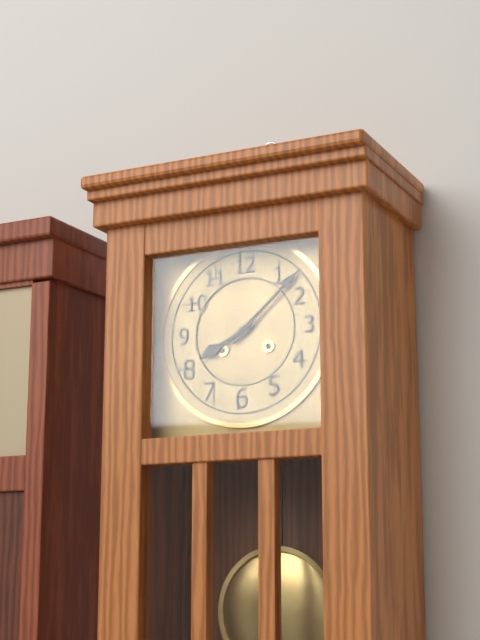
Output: **8:08**
